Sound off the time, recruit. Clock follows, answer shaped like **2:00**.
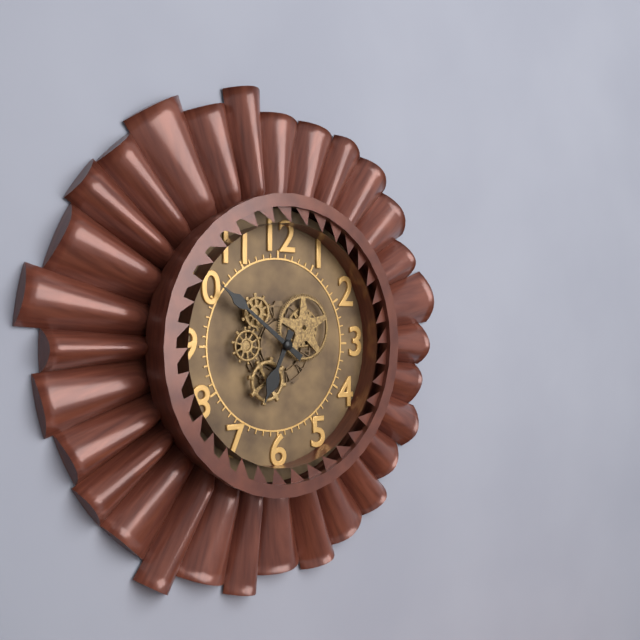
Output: **6:51**
